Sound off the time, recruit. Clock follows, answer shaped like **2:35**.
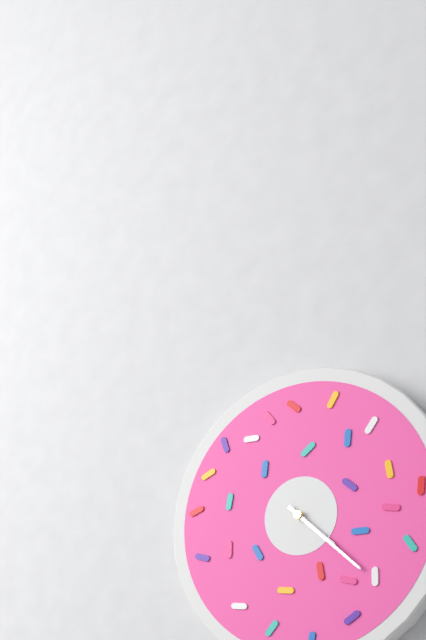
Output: **4:22**
